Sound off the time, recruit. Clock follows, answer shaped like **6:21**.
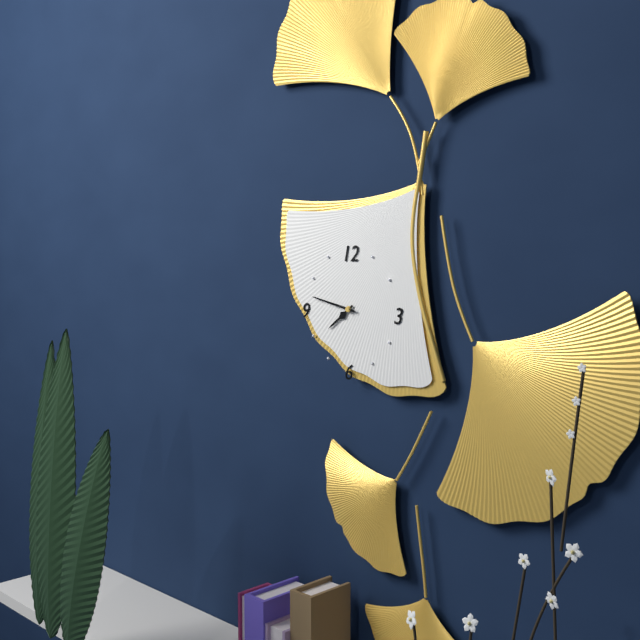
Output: **7:47**
